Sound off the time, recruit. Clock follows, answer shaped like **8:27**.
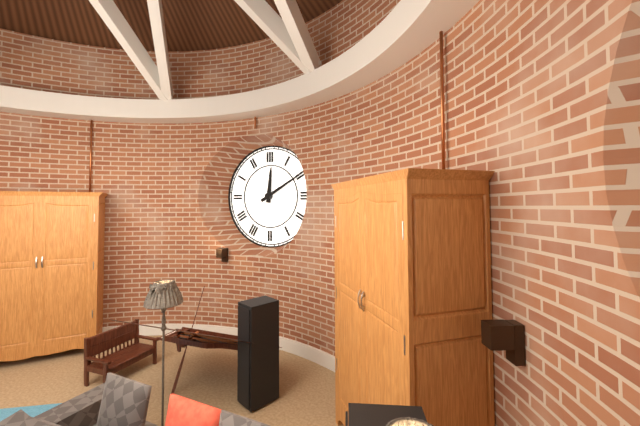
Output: **12:10**
